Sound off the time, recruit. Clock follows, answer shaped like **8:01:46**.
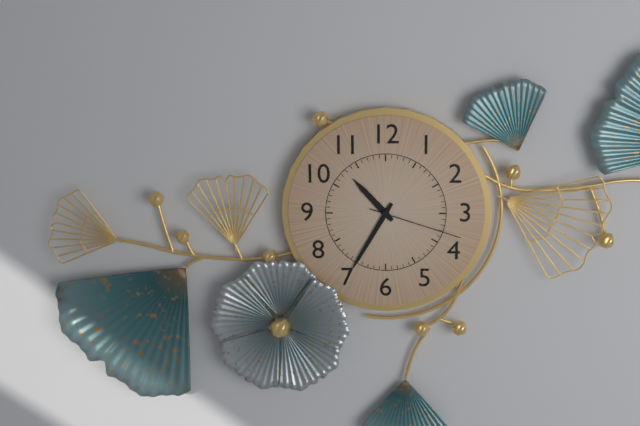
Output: **10:35:18**
